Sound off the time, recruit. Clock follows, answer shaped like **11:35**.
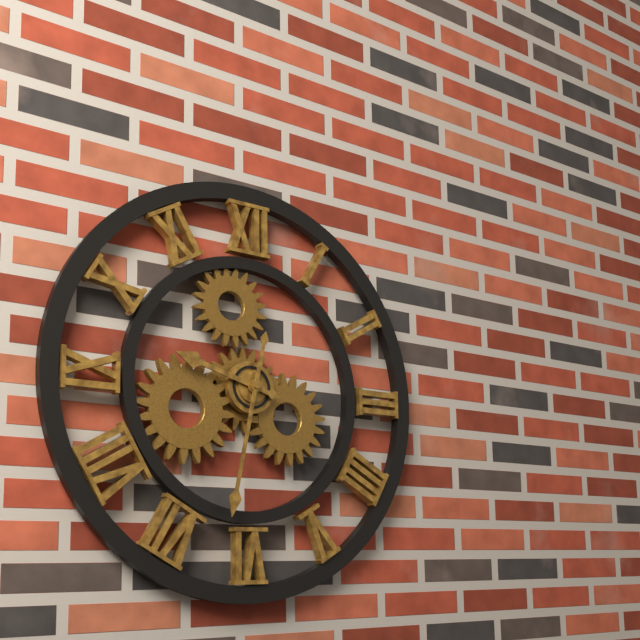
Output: **9:32**
